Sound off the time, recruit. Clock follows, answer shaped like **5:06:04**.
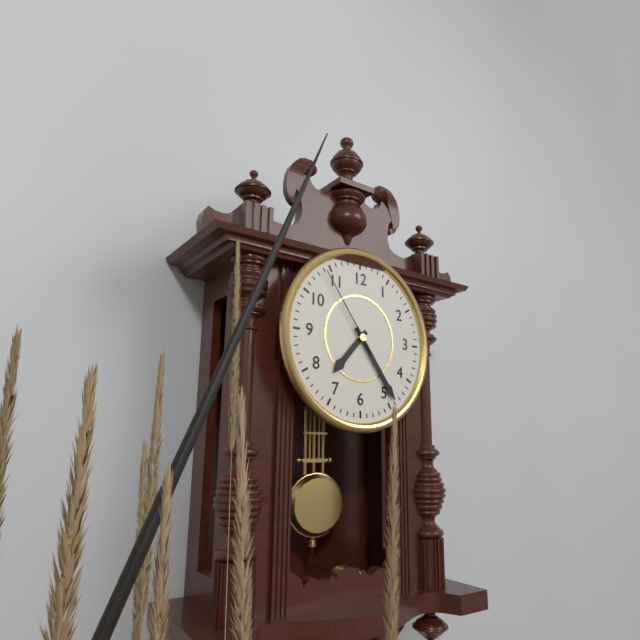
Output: **7:24:54**
